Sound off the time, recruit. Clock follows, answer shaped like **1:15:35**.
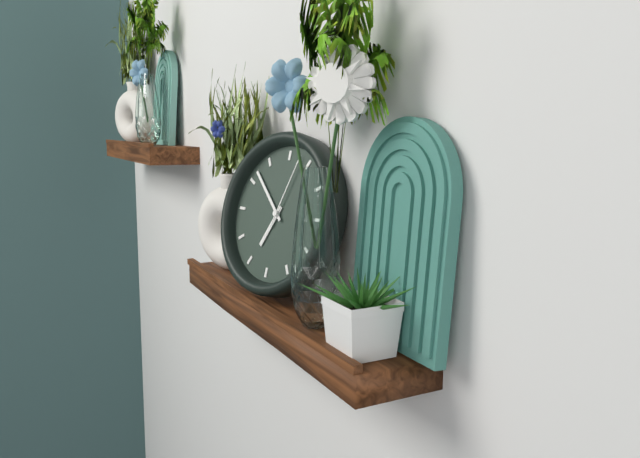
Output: **6:52:03**
